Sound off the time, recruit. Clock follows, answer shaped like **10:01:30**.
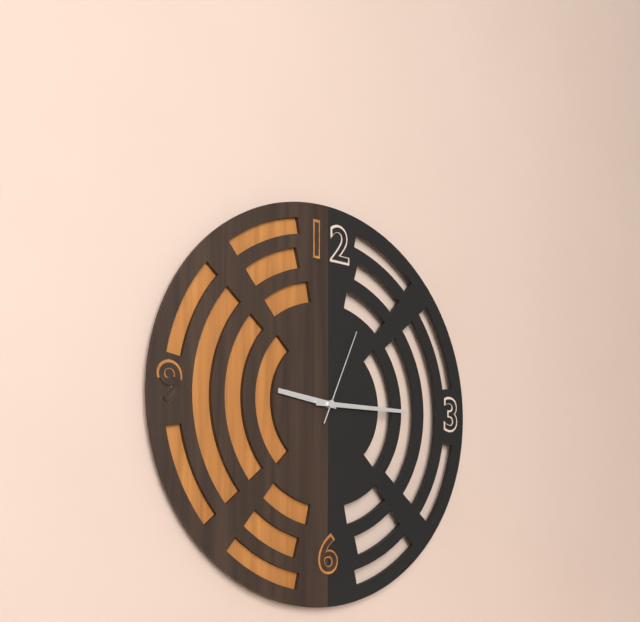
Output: **9:15:04**
